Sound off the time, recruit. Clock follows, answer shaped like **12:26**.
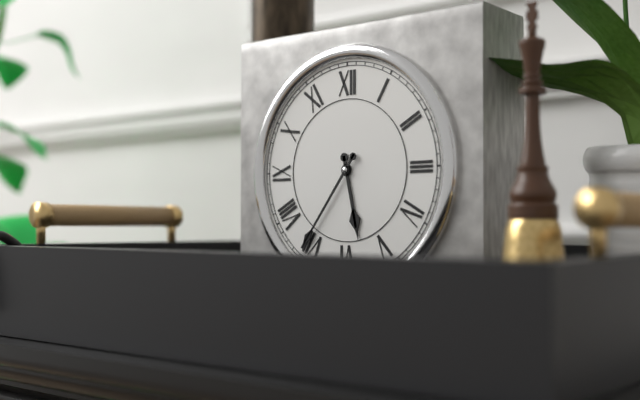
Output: **5:36**
